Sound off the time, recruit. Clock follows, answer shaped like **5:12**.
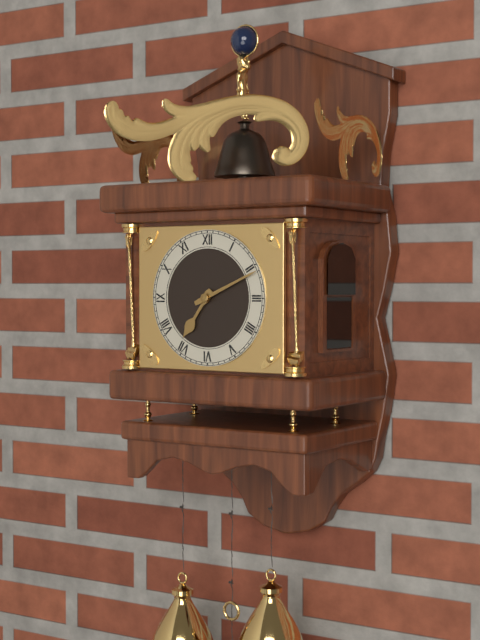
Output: **7:11**
